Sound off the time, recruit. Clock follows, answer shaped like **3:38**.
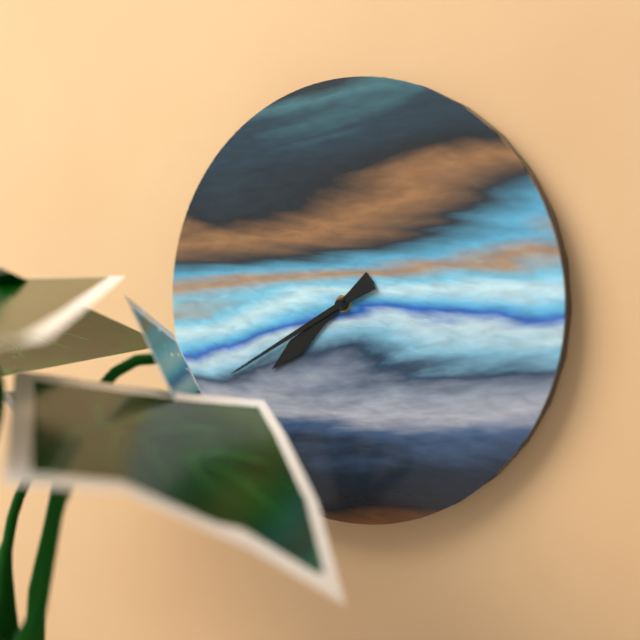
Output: **7:40**
